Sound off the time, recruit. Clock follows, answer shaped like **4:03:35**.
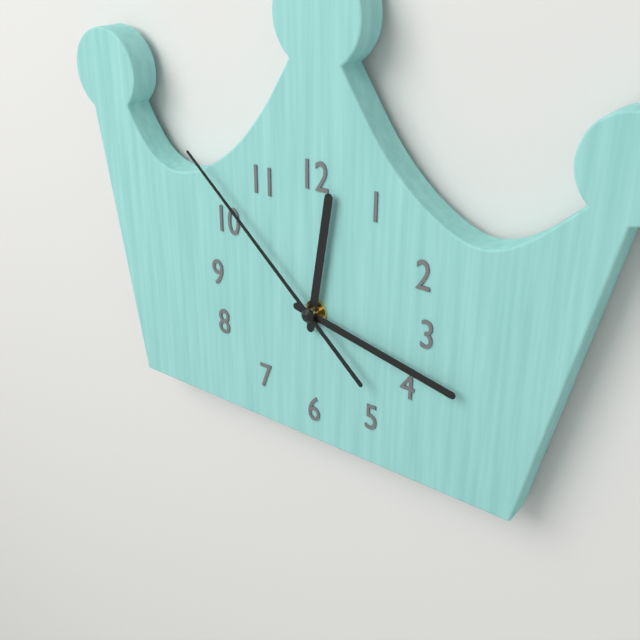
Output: **12:17:52**
